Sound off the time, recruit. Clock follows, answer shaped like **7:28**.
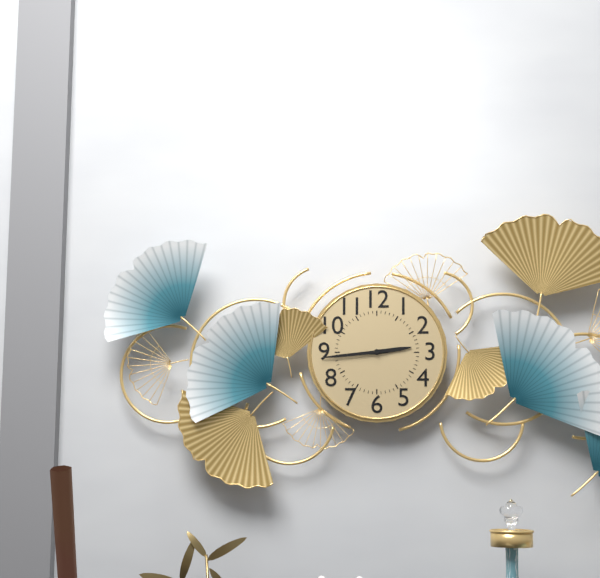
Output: **2:44**
